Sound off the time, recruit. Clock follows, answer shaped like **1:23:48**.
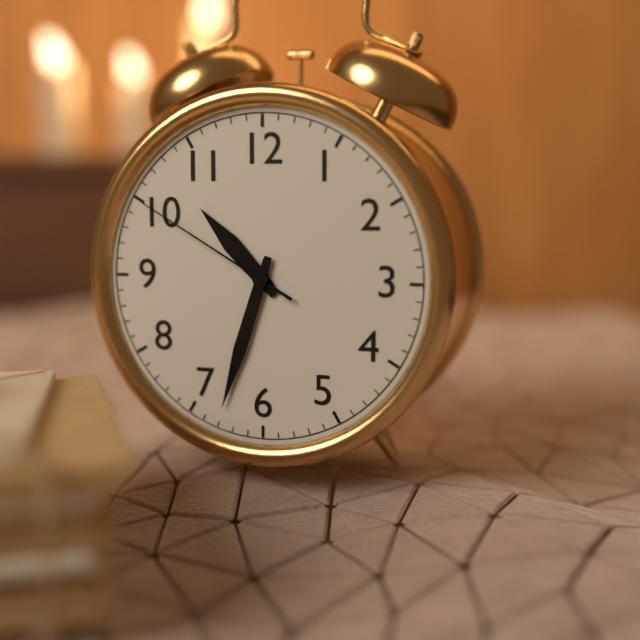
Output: **10:33:50**
